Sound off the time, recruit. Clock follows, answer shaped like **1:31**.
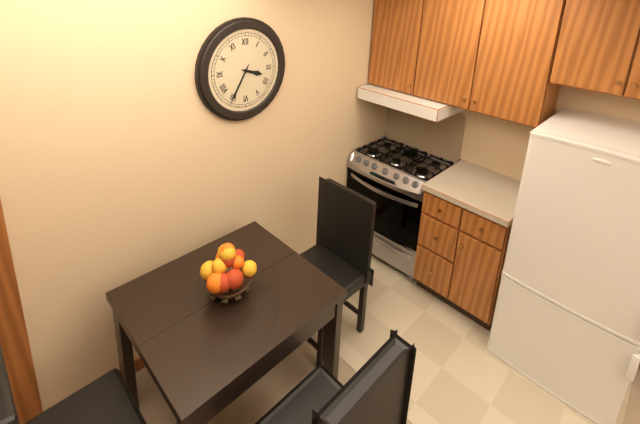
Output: **3:35**
